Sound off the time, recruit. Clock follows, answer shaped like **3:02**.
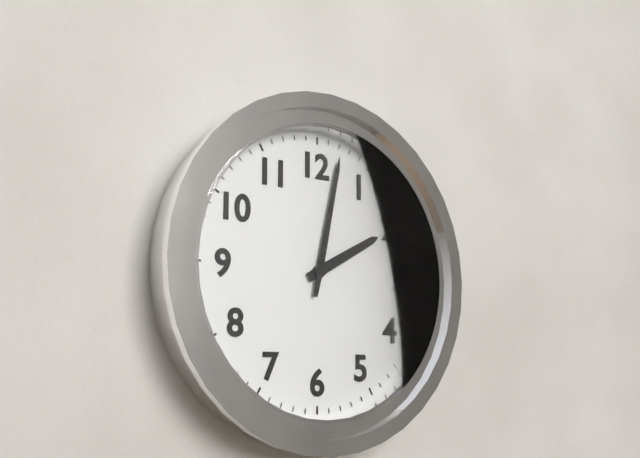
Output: **2:02**
